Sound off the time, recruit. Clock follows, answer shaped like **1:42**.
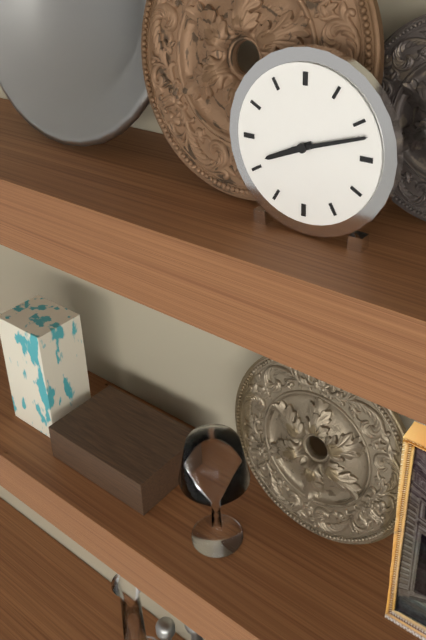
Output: **8:12**
